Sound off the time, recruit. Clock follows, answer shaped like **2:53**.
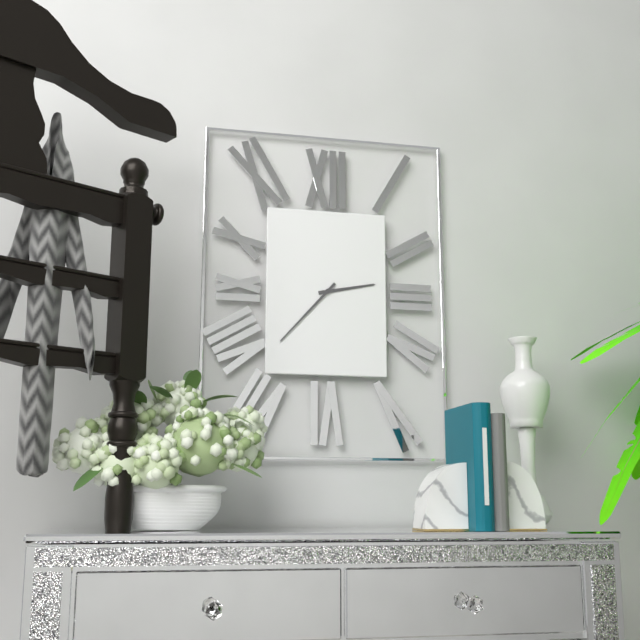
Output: **2:37**
